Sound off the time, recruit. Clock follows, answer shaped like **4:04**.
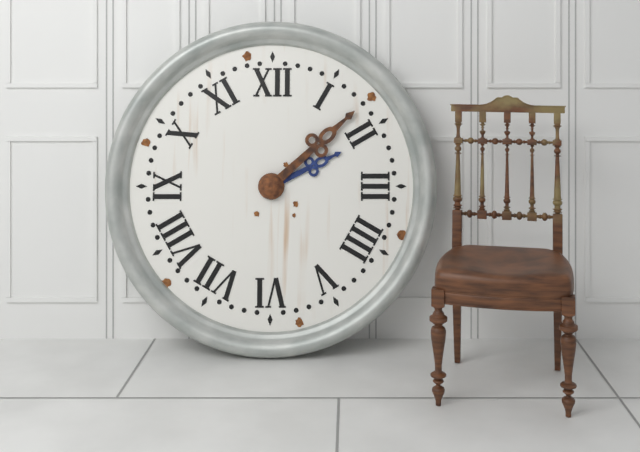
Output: **2:08**
